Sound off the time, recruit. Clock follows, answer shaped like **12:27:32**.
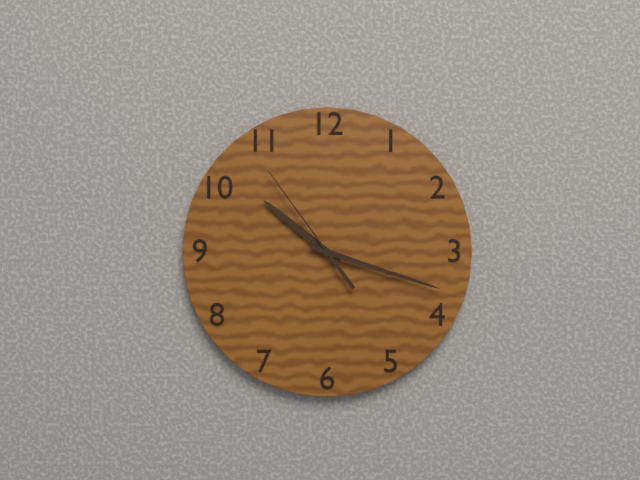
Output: **10:18:54**
